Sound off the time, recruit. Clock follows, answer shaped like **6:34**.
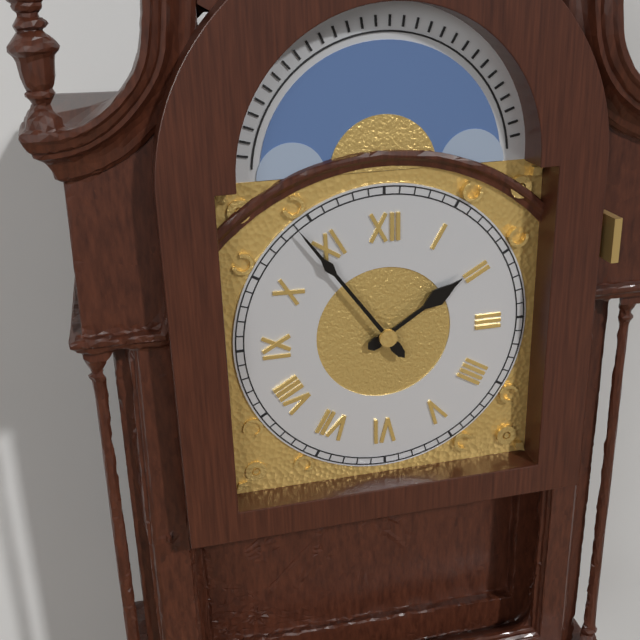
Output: **1:54**
